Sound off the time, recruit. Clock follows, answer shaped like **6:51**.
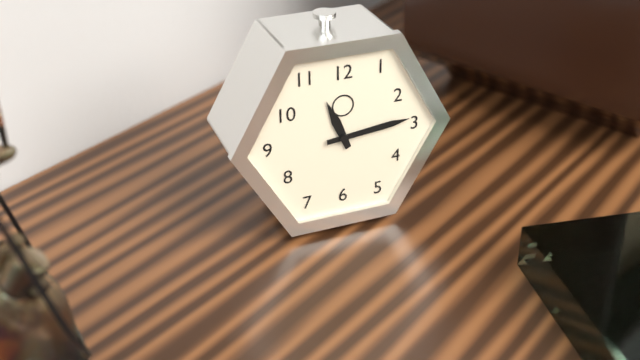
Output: **11:14**
